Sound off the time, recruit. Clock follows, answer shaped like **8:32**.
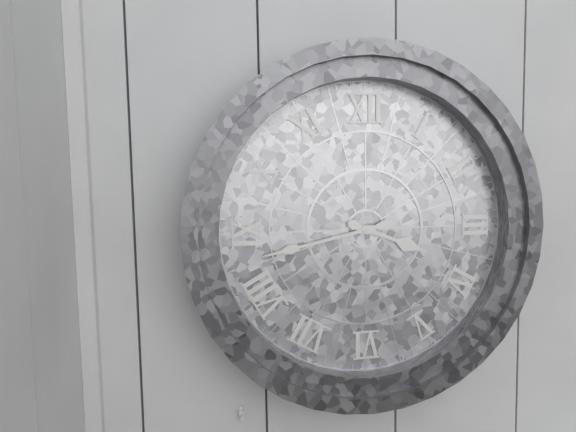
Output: **3:43**
